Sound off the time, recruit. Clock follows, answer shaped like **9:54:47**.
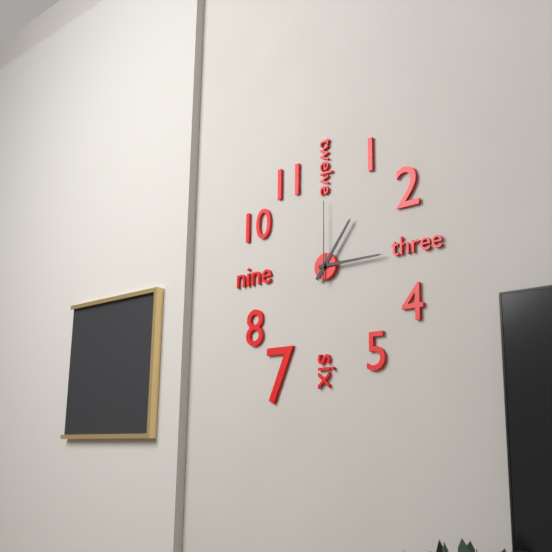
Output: **1:15:00**
